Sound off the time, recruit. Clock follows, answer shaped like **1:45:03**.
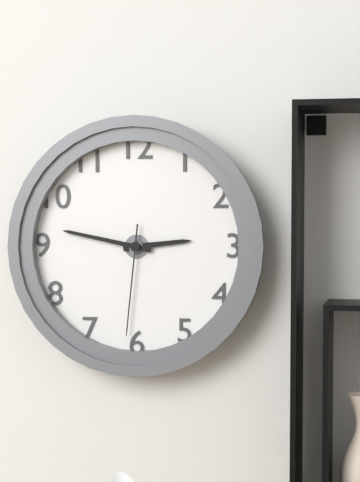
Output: **2:47:31**
